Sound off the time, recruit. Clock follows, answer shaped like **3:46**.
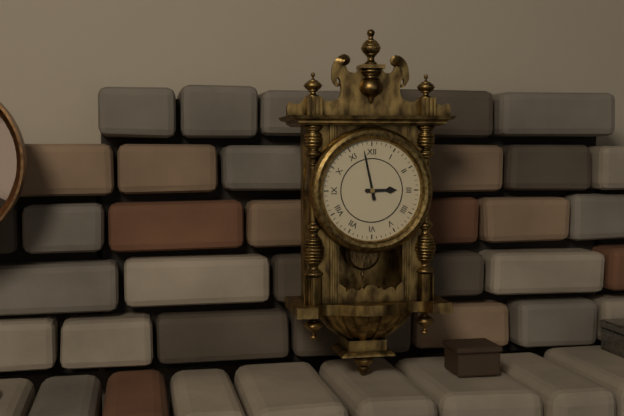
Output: **2:58**
